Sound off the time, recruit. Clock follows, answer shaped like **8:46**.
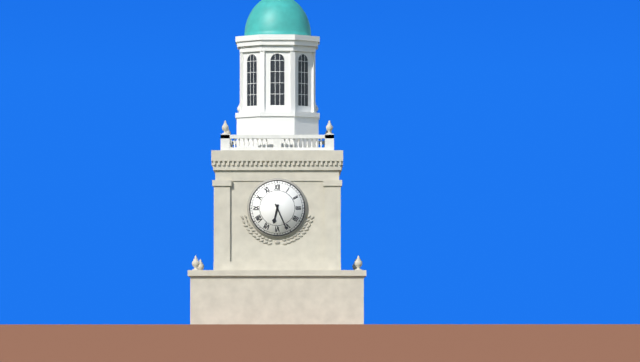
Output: **6:26**
